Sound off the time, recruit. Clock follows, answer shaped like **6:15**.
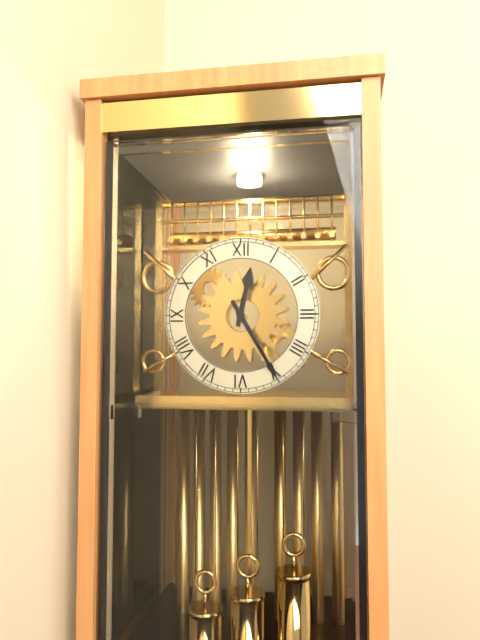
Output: **12:25**
